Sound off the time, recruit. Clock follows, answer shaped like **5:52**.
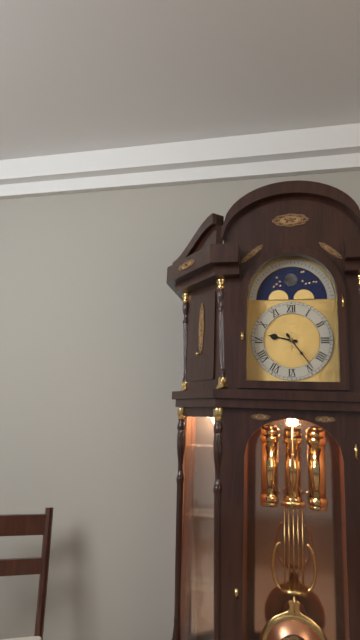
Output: **9:24**
